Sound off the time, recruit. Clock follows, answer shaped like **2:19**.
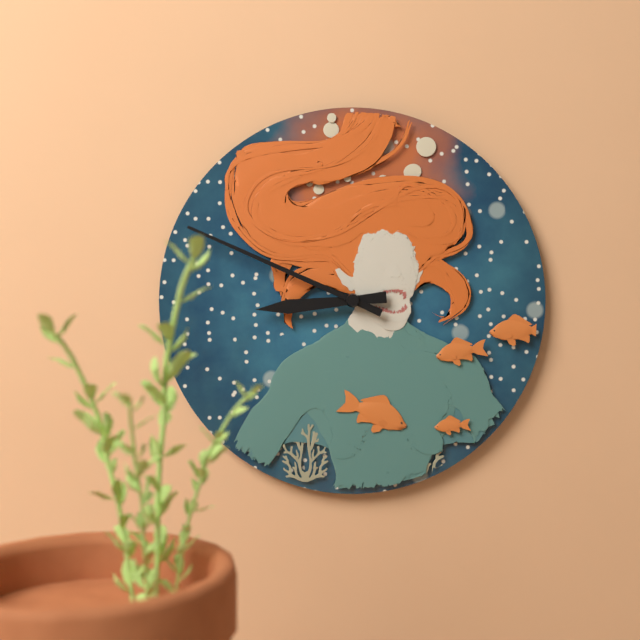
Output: **8:49**
